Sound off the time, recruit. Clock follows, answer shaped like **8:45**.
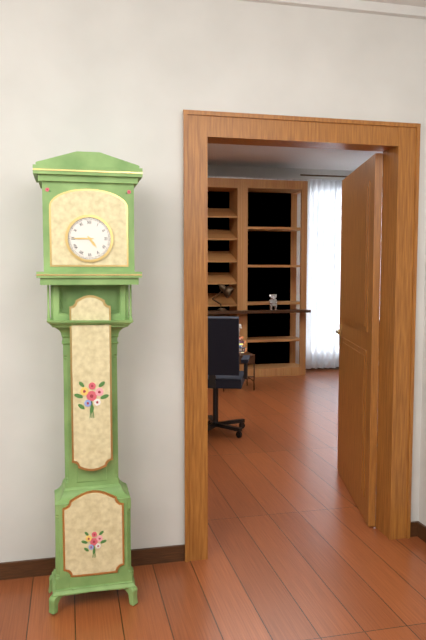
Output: **4:45**
